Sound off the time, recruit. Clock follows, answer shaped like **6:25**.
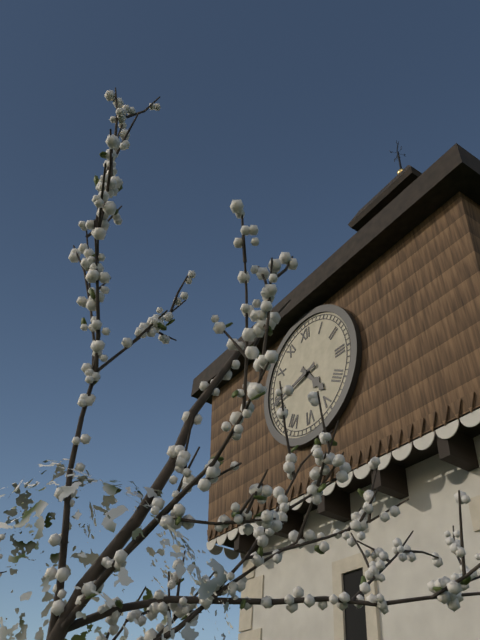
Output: **4:43**
